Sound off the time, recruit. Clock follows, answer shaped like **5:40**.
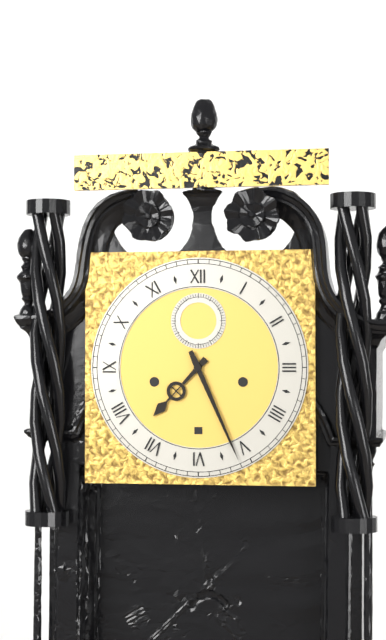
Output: **7:26**
